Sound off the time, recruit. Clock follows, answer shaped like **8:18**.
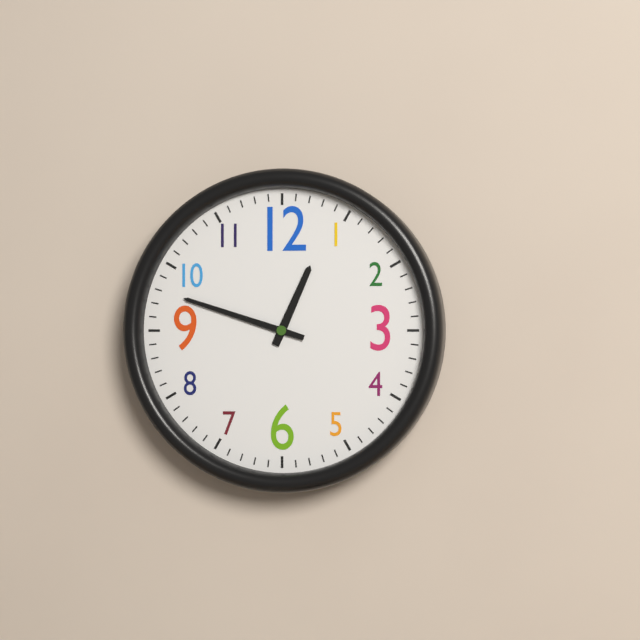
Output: **12:48**
